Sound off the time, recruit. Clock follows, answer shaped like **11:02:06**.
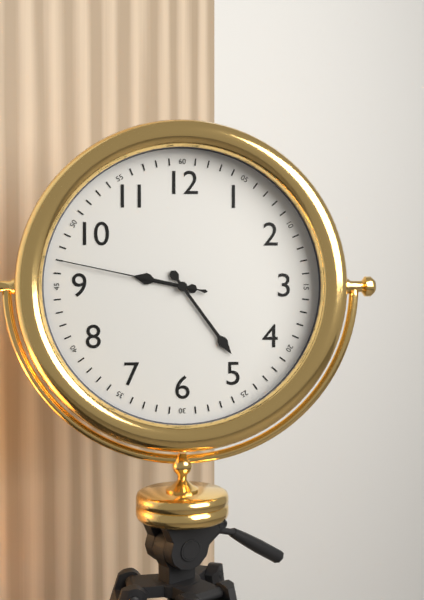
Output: **9:24:47**
